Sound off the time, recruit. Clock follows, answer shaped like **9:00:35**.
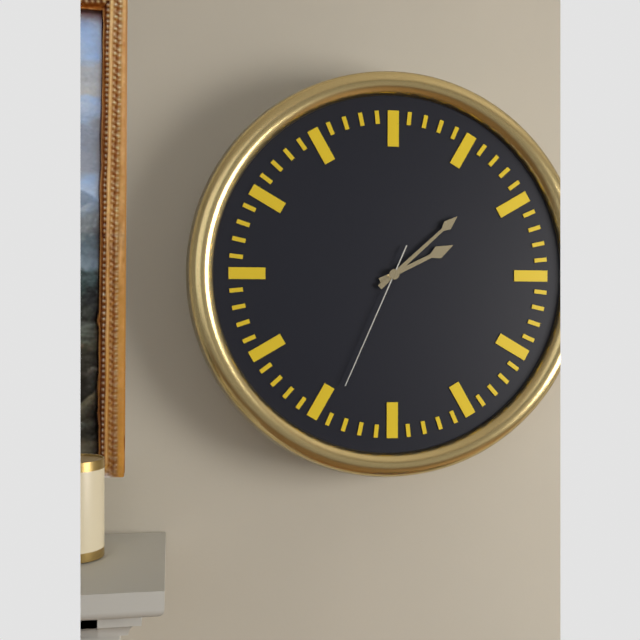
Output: **2:08:34**
